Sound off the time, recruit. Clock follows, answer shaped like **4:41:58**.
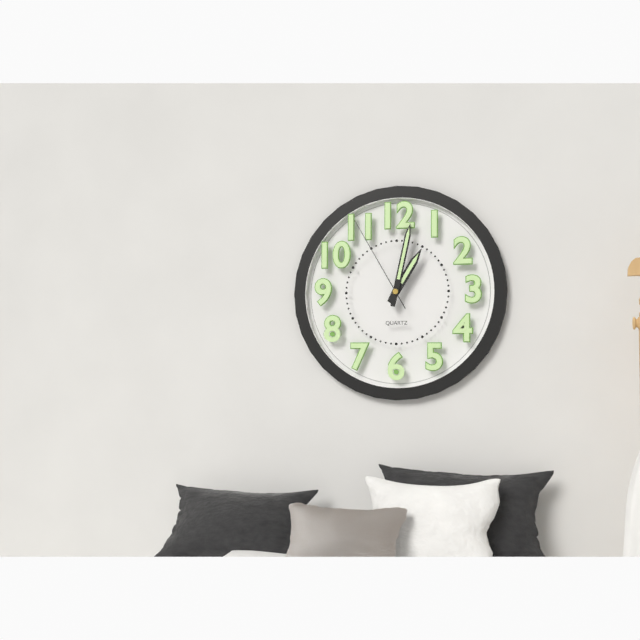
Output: **1:02:55**
